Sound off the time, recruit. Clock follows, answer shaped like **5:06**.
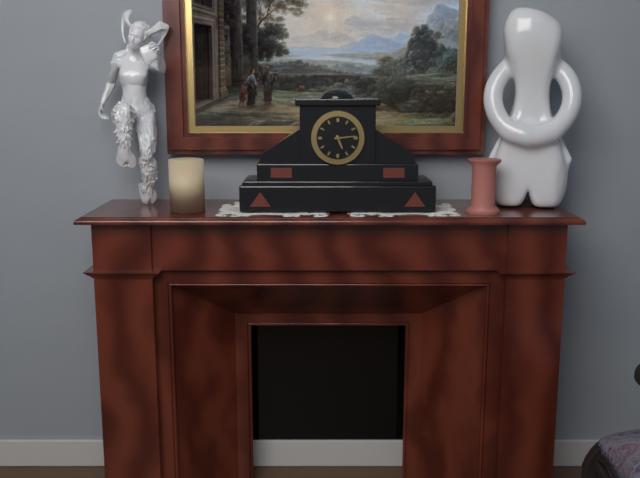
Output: **5:14**
